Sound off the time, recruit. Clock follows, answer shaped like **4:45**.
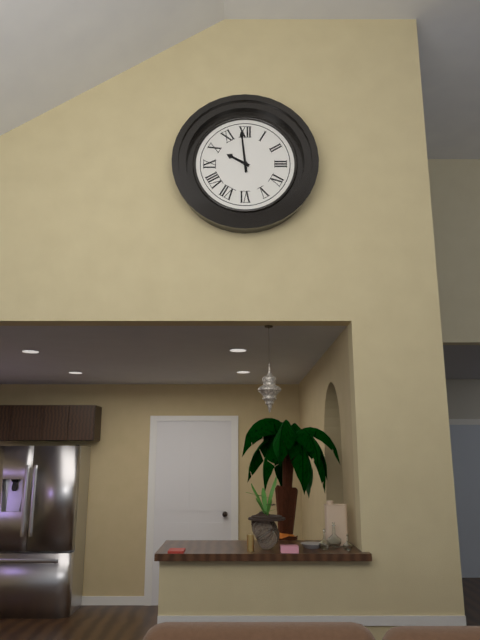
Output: **9:59**
